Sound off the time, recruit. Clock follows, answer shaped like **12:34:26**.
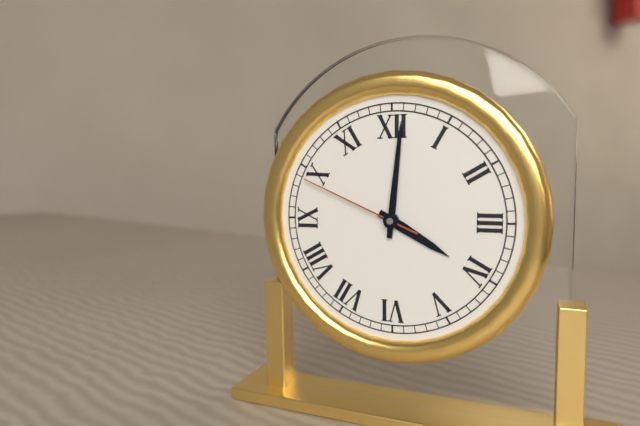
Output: **4:01:49**
